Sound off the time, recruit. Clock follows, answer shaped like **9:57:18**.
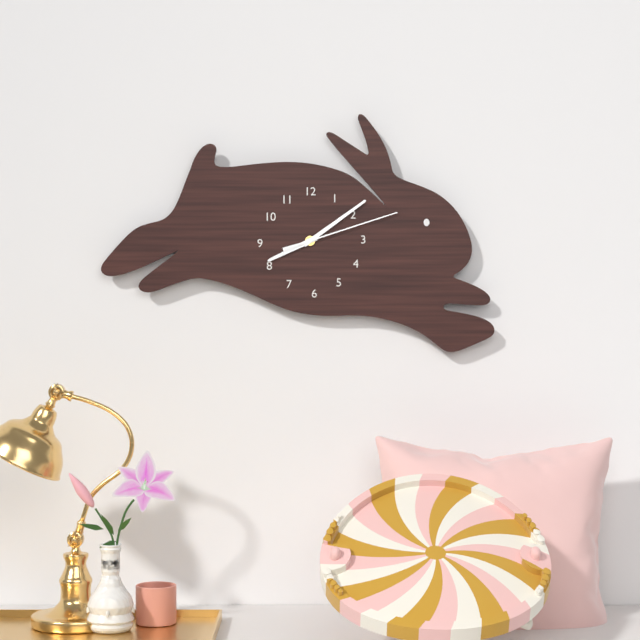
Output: **8:09:12**
